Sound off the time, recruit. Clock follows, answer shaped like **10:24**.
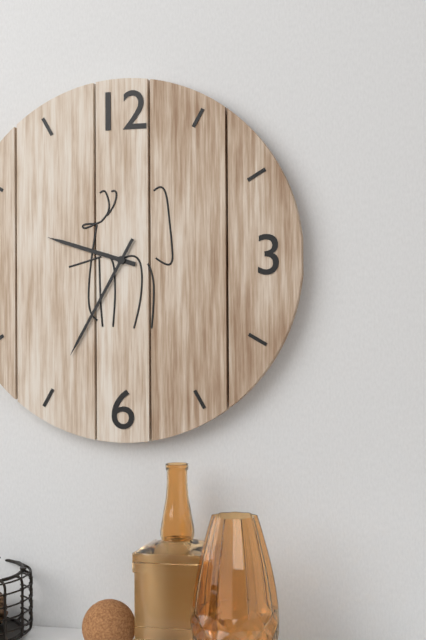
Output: **9:35**
